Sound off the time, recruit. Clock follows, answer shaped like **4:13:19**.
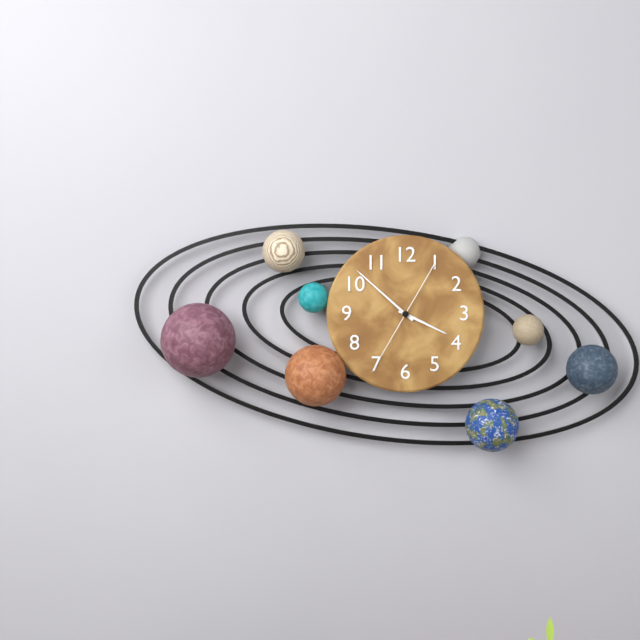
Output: **3:52:35**
